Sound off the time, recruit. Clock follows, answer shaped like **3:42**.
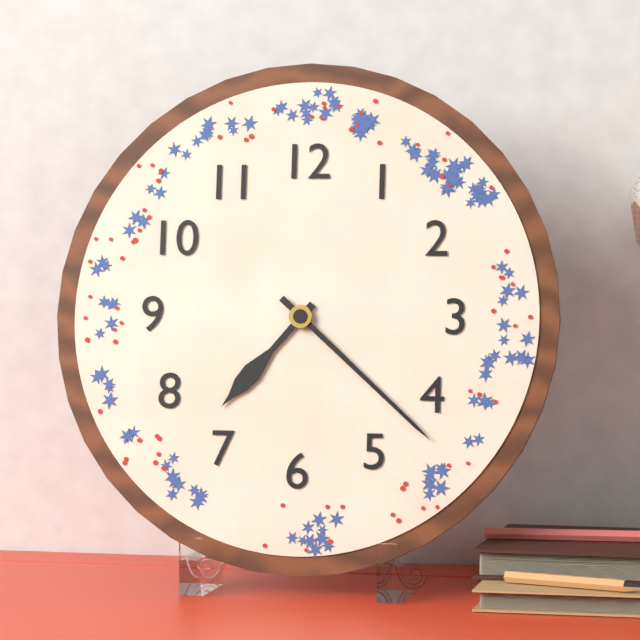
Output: **7:22**
